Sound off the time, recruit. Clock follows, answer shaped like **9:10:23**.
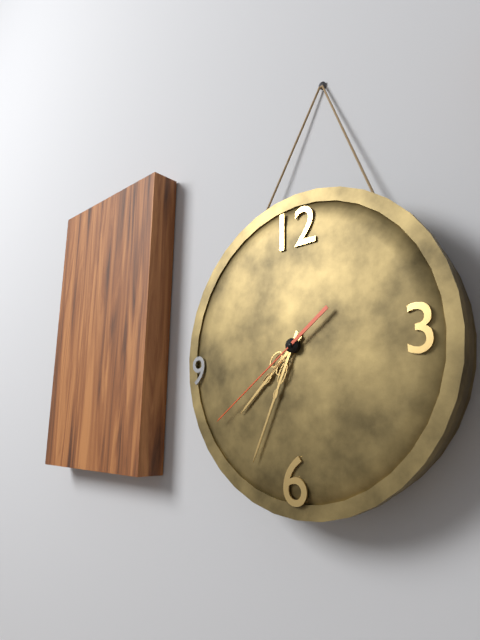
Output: **7:34:39**
